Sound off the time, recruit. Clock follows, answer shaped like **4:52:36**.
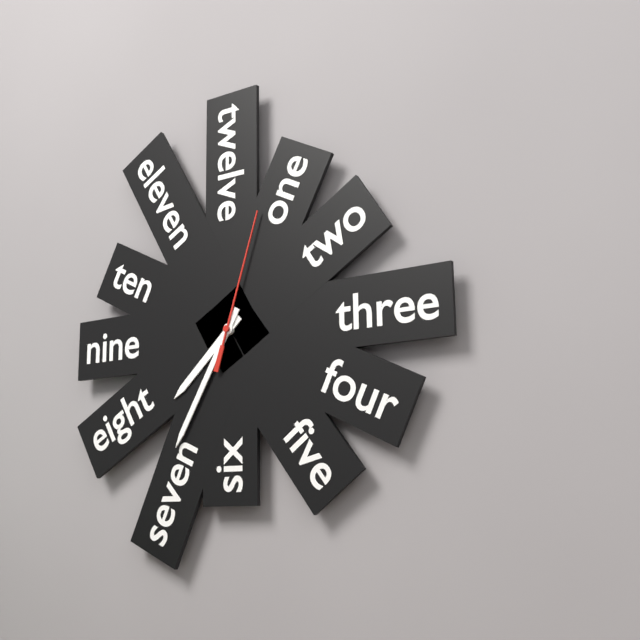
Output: **7:35:03**
